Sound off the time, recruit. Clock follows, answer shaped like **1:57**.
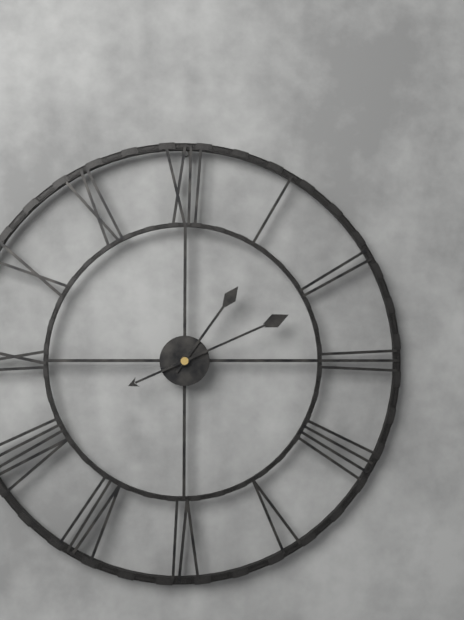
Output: **1:11**
